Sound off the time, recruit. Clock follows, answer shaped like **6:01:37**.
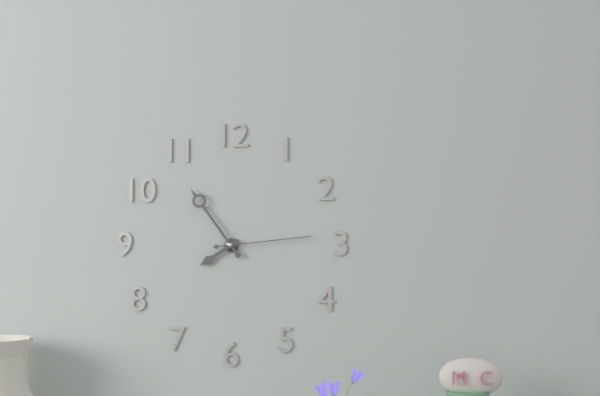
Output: **7:54:14**
